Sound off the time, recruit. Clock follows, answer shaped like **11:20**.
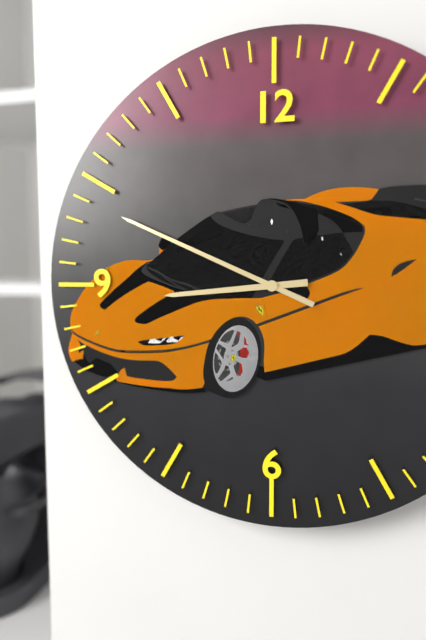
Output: **8:49**
